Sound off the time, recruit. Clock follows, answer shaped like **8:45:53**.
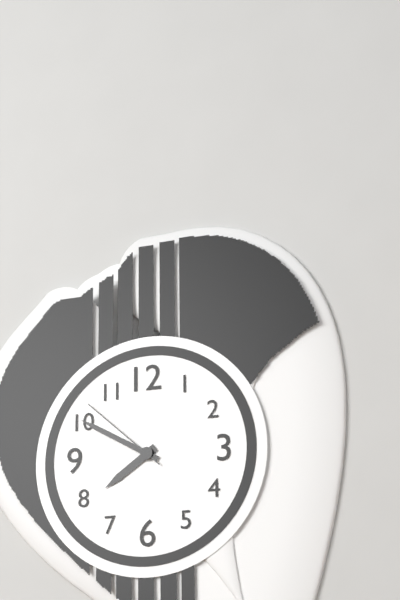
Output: **7:50:52**
